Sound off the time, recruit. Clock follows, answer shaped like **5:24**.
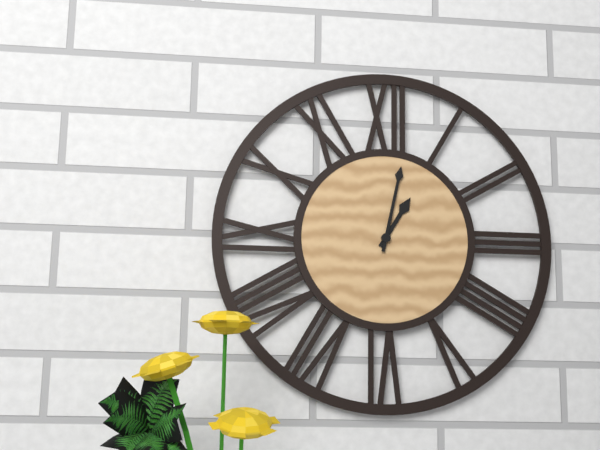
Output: **1:02**
